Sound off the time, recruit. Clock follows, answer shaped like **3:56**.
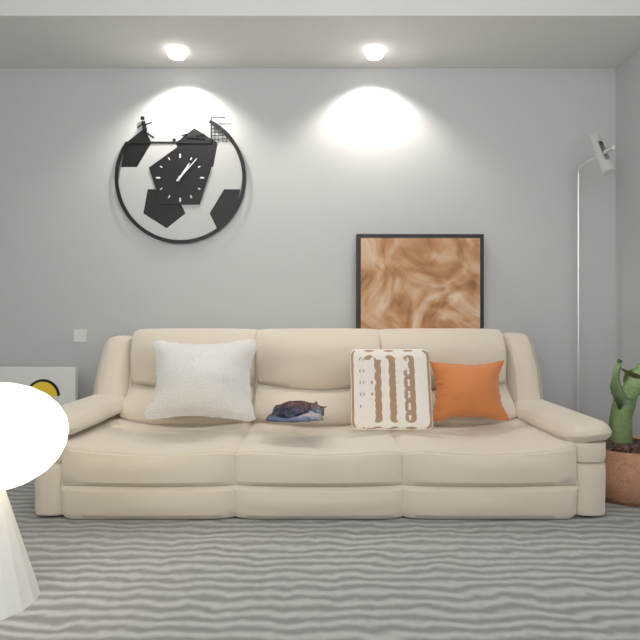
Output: **1:07**
